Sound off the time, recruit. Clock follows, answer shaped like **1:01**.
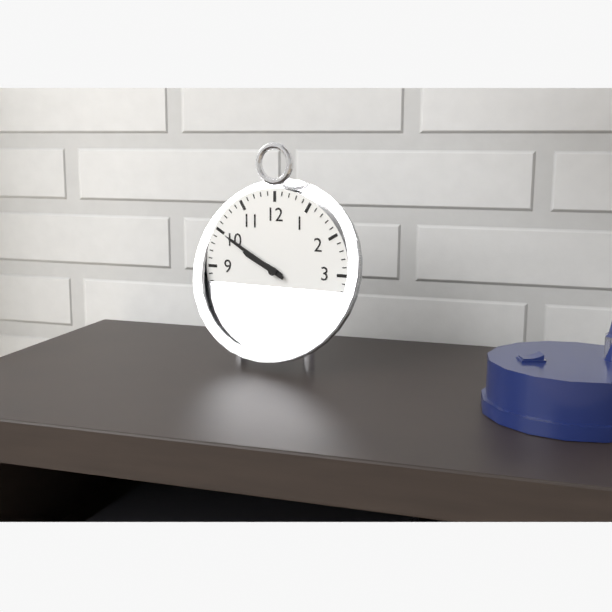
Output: **9:50**
